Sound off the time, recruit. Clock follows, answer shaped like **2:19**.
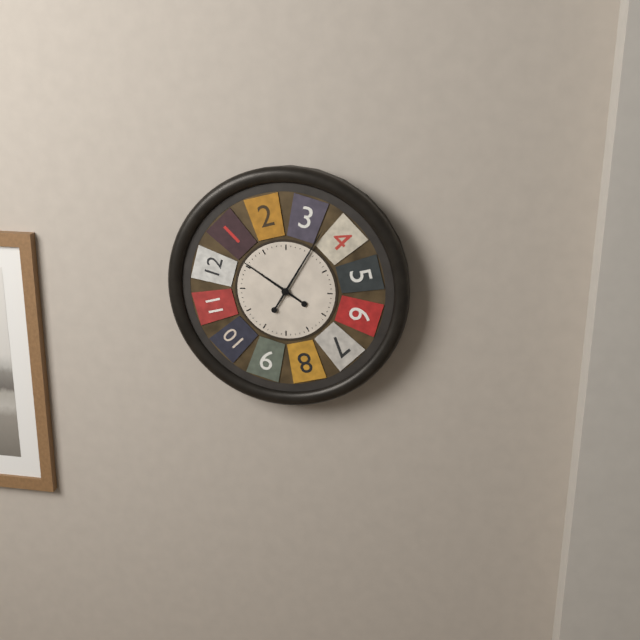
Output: **10:05**
